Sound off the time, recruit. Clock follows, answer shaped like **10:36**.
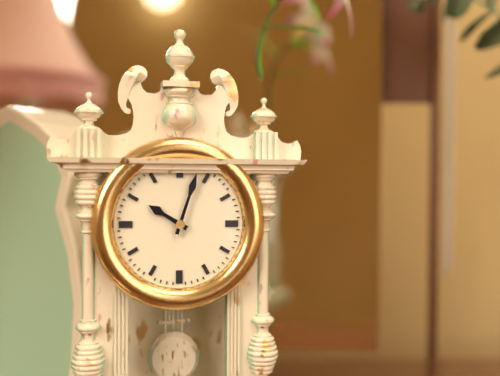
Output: **10:03**
